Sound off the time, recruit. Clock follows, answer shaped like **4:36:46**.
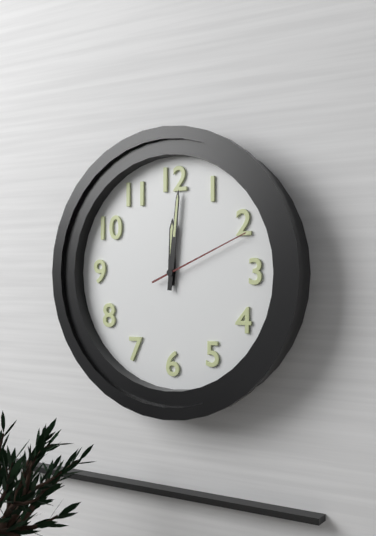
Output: **12:01:11**
